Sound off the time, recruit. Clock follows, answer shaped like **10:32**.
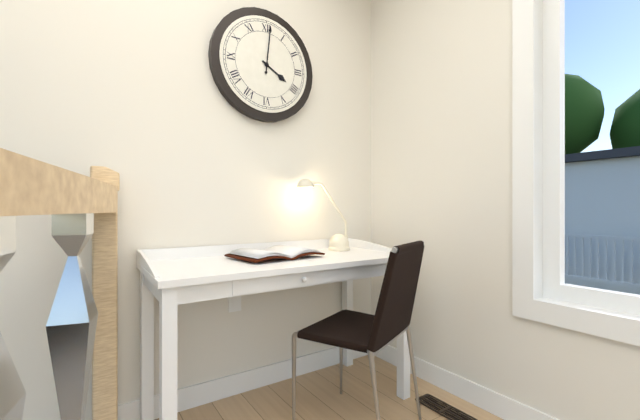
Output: **4:01**
